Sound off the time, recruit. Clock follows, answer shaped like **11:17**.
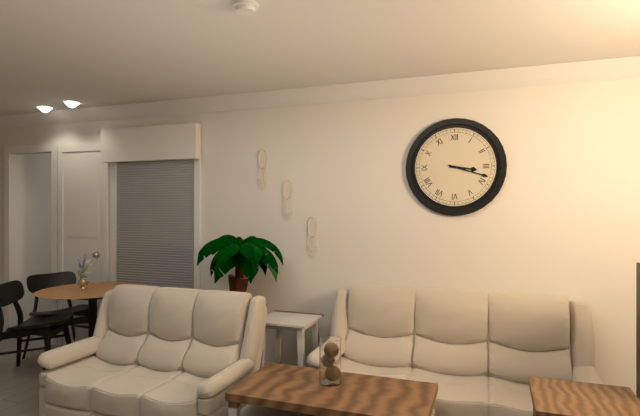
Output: **3:18**
